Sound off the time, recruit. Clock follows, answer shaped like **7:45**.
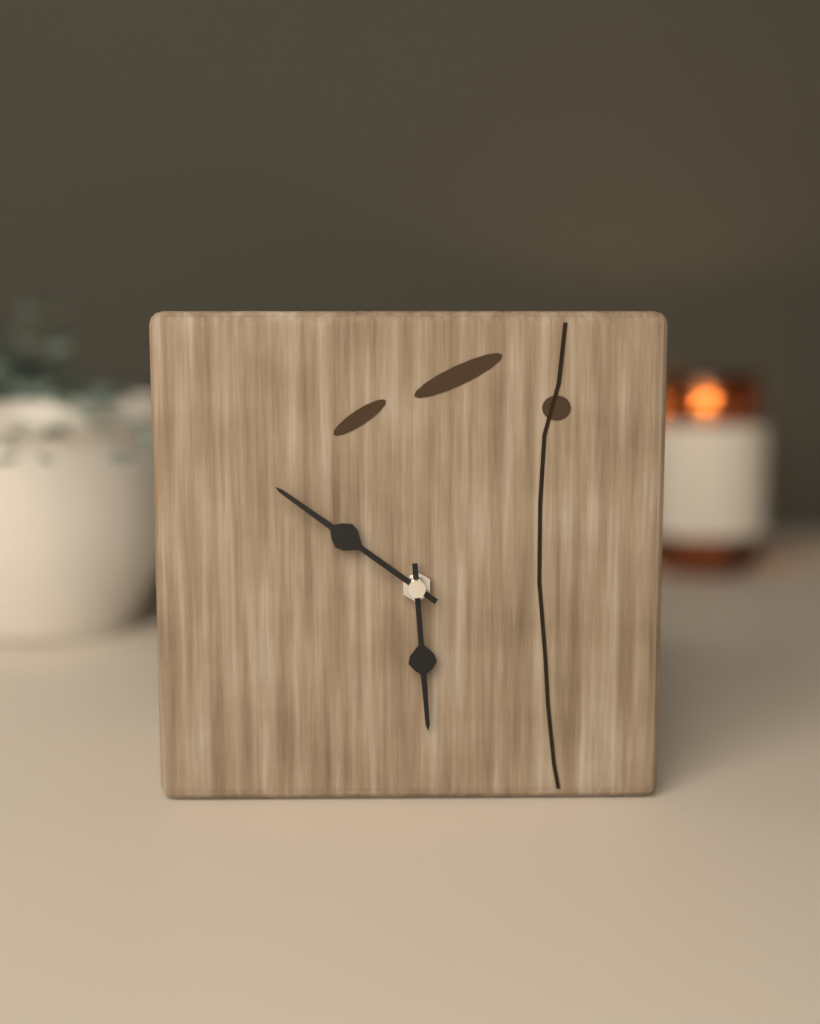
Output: **5:51**
